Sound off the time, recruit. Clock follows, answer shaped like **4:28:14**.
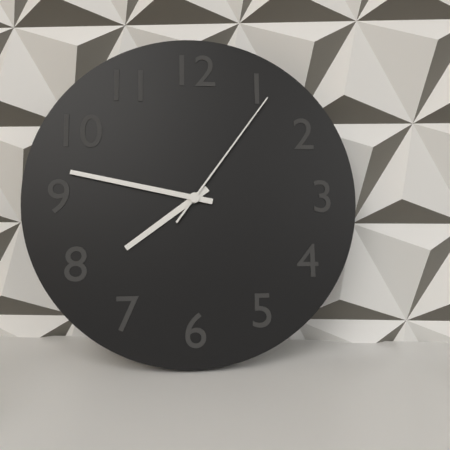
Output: **7:47:06**
